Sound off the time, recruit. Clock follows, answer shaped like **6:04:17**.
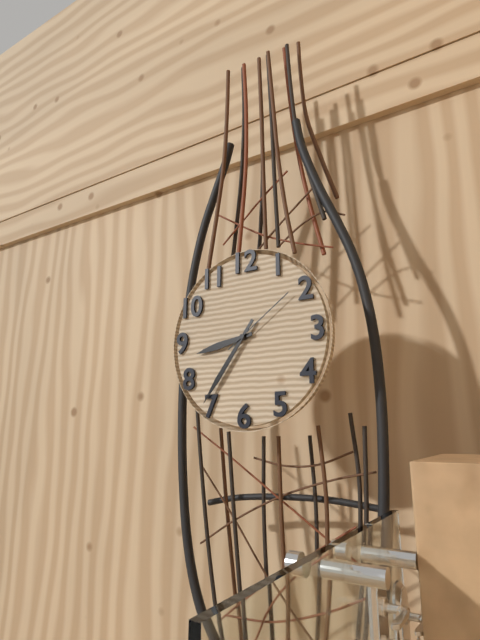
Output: **8:36:09**
